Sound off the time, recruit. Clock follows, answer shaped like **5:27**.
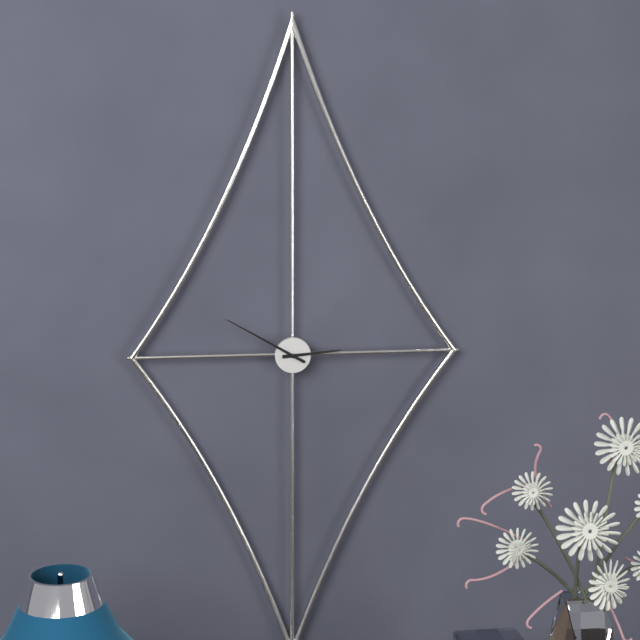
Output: **2:50**
